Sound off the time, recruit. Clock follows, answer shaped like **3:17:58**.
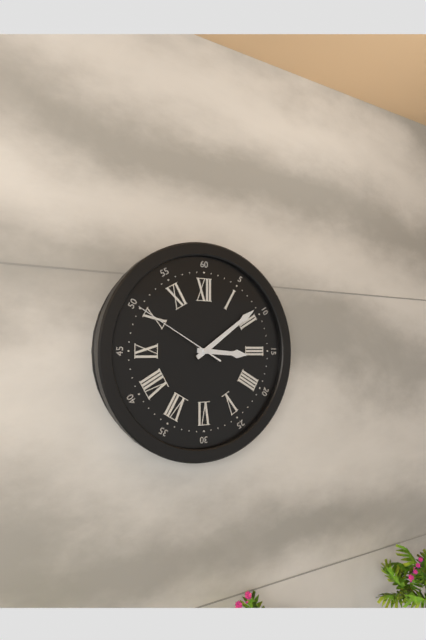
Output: **3:09:50**
